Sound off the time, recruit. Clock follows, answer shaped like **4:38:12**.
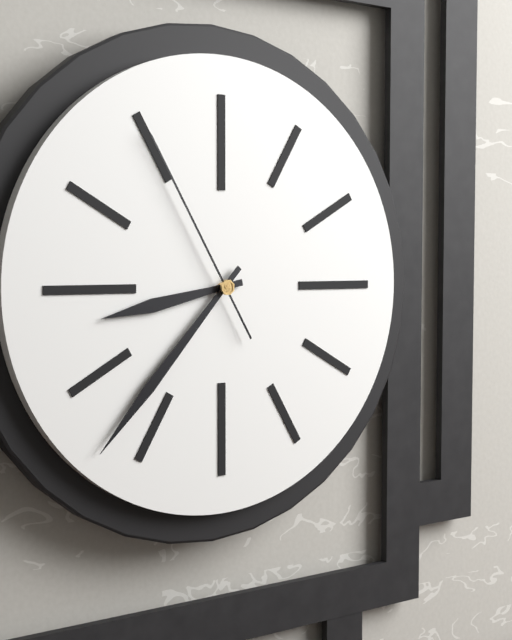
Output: **8:37:55**
